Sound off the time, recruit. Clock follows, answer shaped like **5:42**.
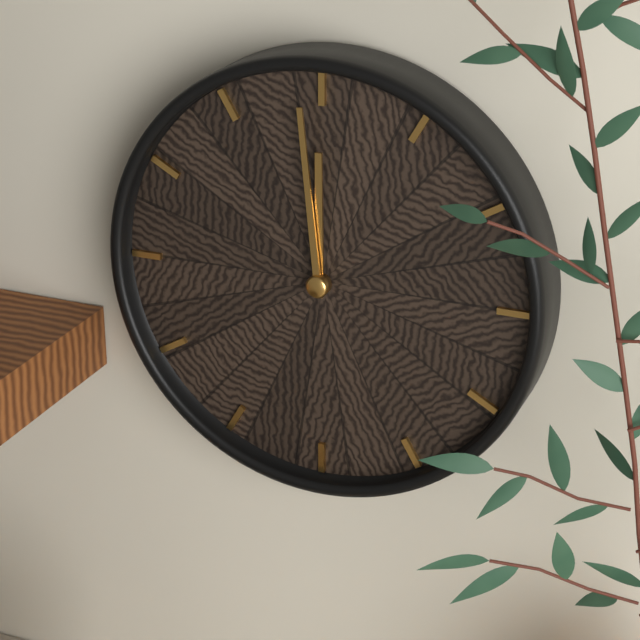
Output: **11:59**
